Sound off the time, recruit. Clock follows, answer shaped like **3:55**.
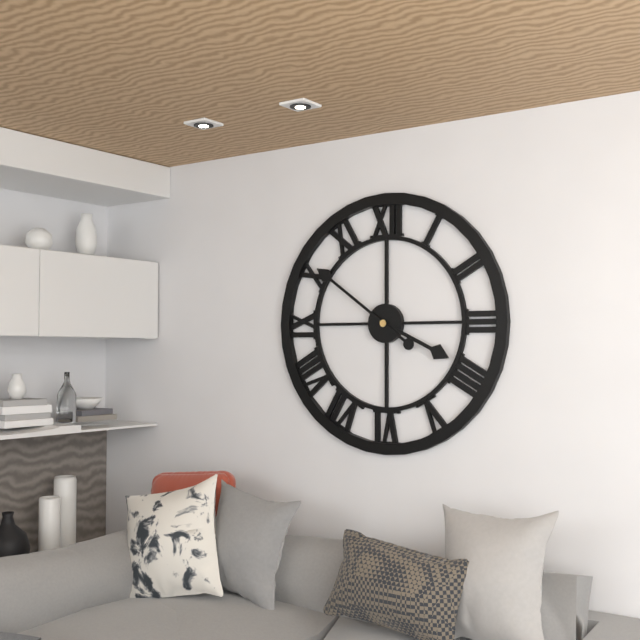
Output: **3:51**
